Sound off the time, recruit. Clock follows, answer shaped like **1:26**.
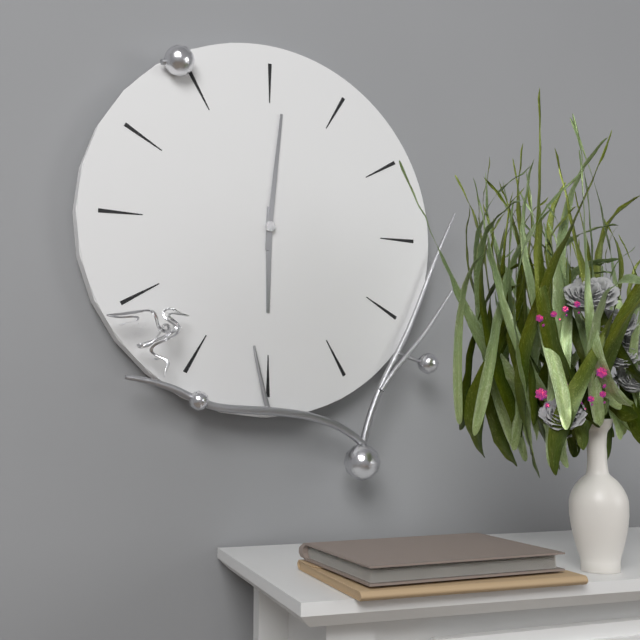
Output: **6:01**
